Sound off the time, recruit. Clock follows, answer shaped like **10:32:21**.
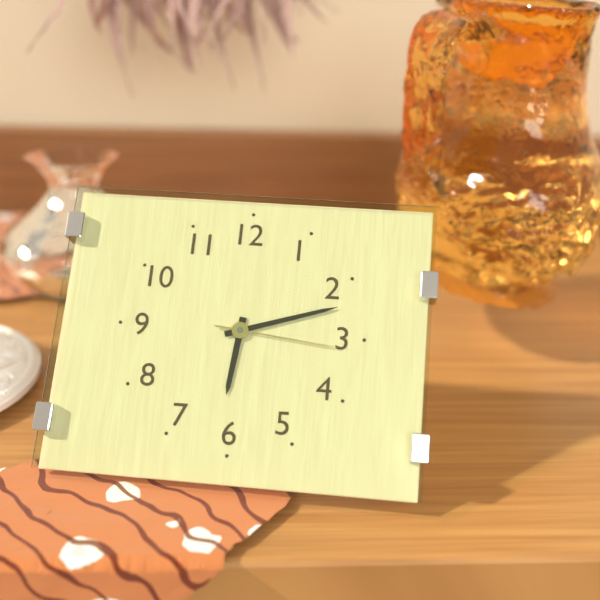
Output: **6:12:16**
